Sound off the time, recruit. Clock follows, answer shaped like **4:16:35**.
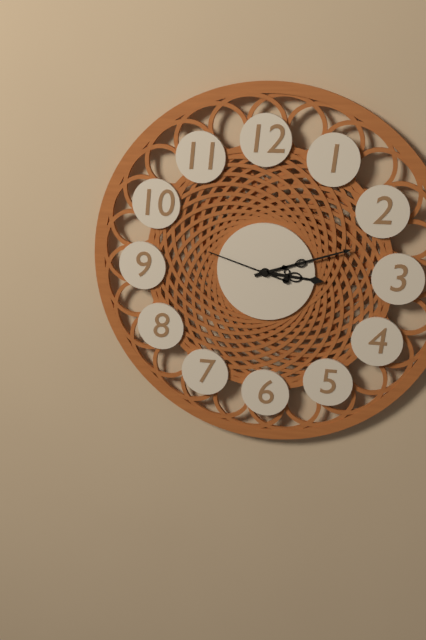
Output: **3:12:48**
